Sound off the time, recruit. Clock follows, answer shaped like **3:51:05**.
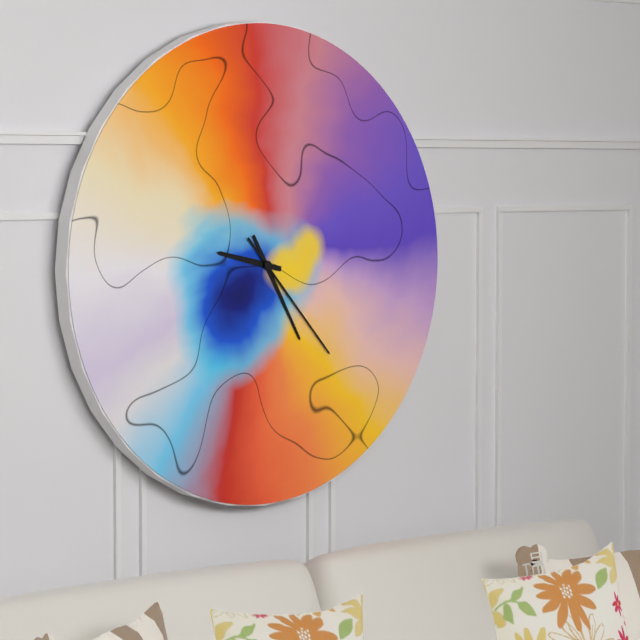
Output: **9:25:23**
